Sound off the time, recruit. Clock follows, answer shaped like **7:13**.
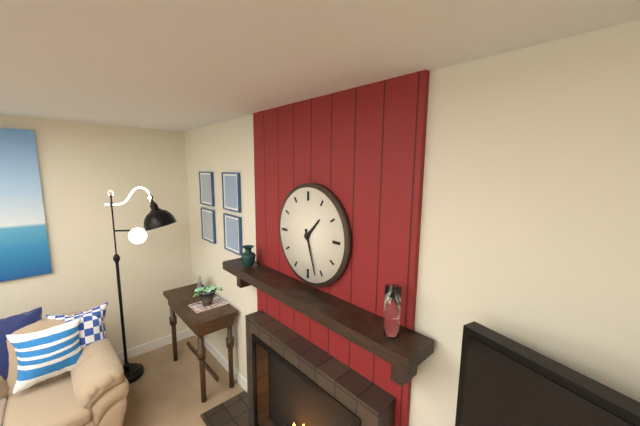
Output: **1:27**
